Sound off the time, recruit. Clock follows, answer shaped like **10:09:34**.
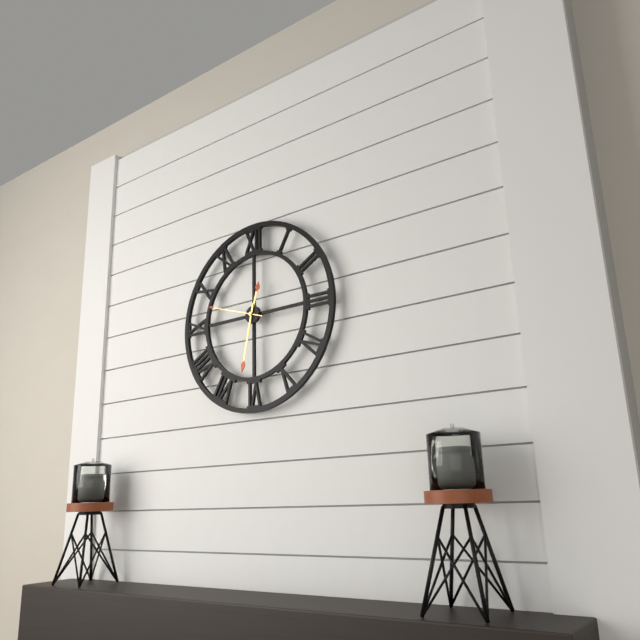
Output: **12:32:48**
